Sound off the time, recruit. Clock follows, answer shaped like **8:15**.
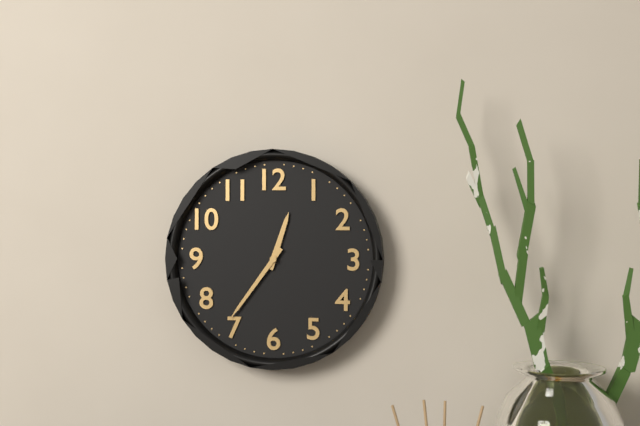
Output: **12:36**
